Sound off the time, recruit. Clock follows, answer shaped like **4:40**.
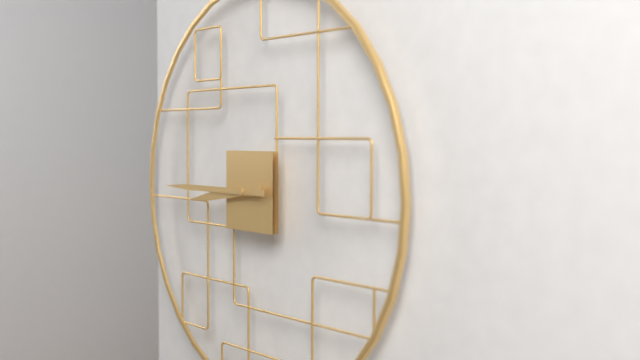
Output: **8:45**
